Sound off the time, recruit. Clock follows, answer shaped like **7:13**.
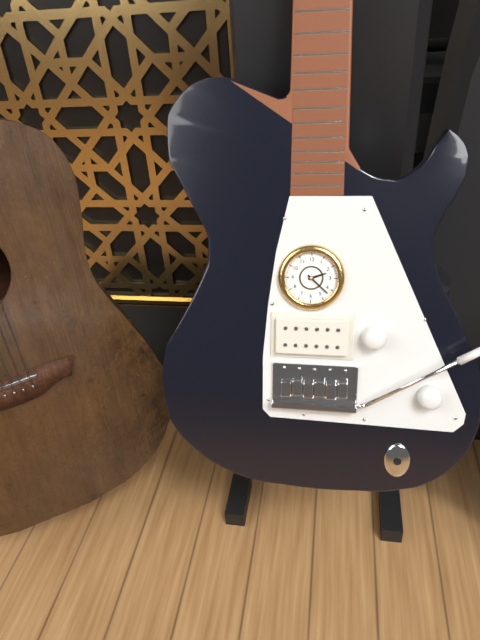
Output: **2:22**
